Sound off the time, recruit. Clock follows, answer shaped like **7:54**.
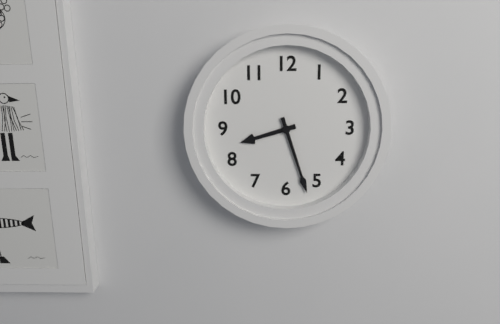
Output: **8:27**
